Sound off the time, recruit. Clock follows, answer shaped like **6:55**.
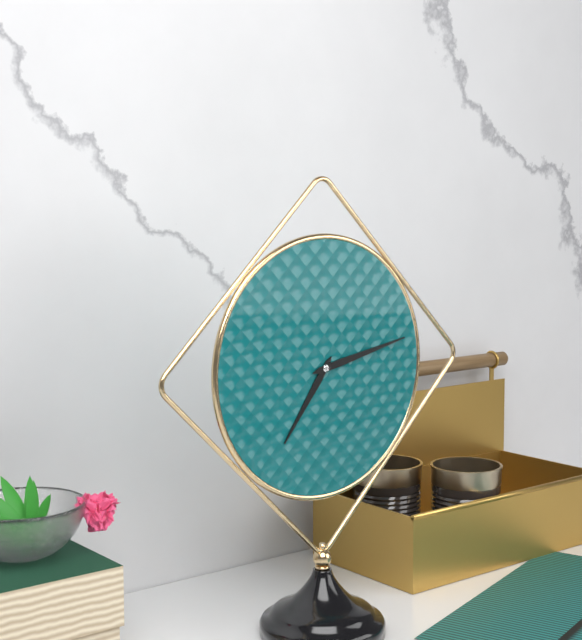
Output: **7:13**
